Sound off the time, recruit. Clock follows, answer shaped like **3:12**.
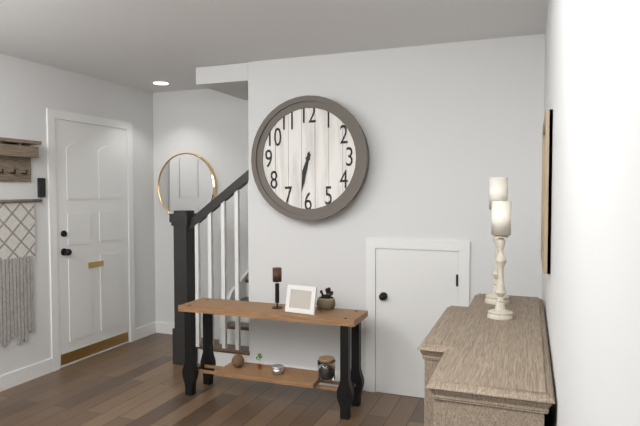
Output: **6:32**
